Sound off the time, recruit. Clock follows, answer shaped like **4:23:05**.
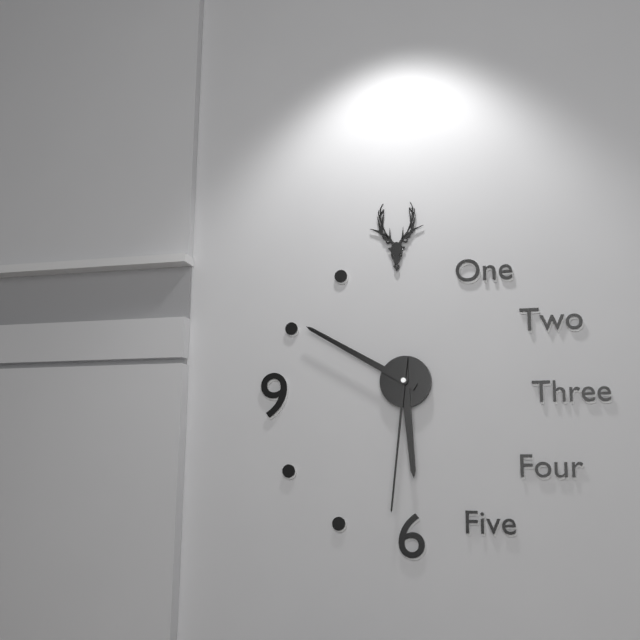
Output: **5:50:31**
